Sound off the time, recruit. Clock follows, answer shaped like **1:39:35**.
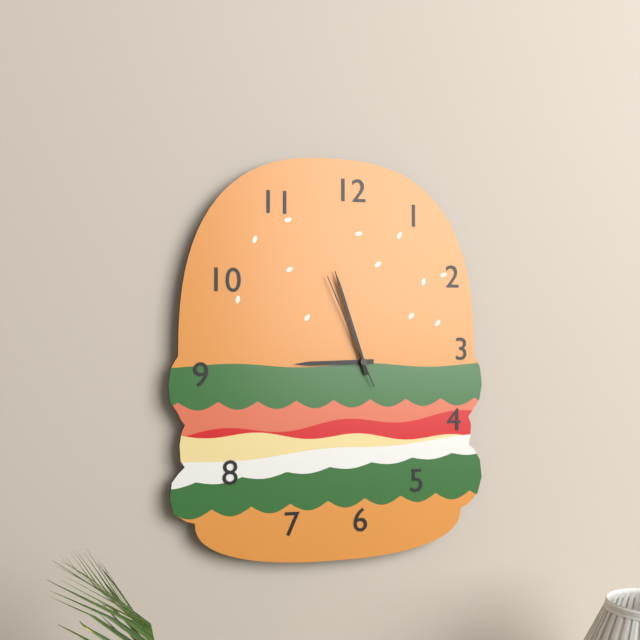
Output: **8:57:56**
